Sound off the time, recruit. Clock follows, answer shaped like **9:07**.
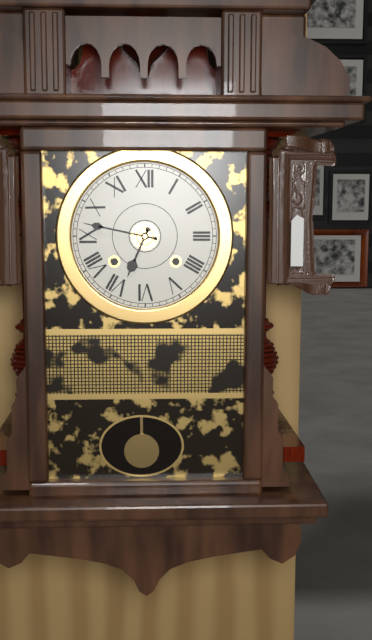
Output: **6:47**
